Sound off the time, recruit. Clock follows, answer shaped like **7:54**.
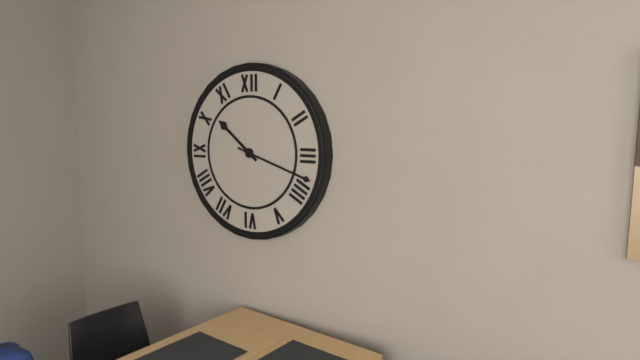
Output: **10:18**
